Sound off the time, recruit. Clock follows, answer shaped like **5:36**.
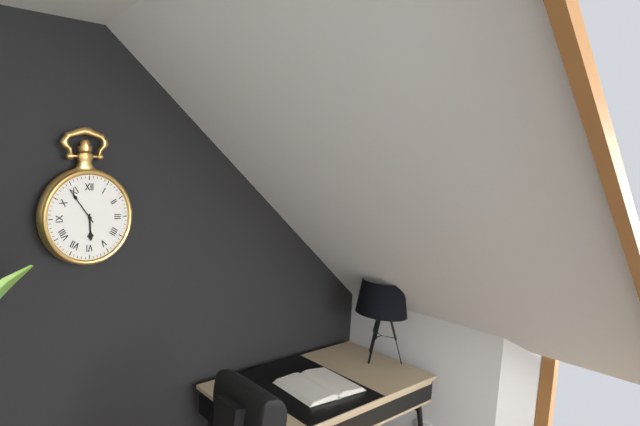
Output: **5:54**
